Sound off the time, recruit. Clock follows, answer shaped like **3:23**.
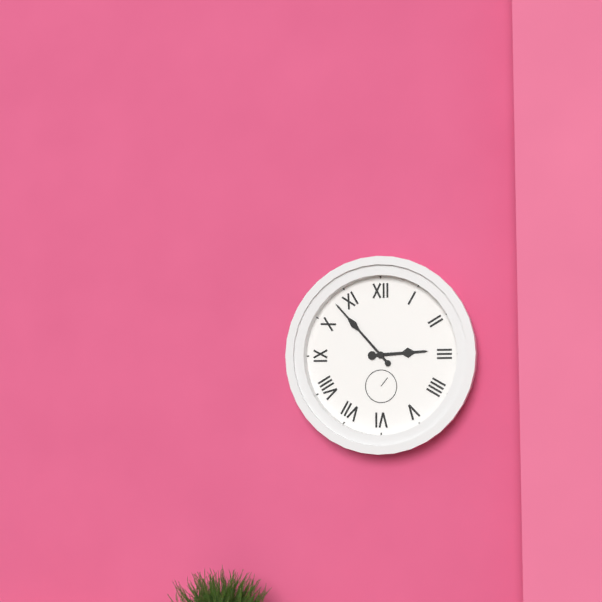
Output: **2:53**
